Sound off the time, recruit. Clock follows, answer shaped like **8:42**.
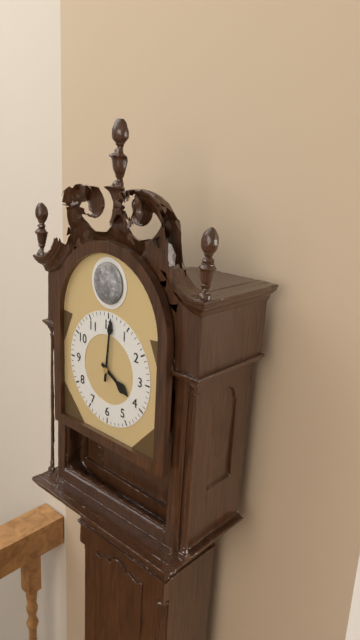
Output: **4:01**
